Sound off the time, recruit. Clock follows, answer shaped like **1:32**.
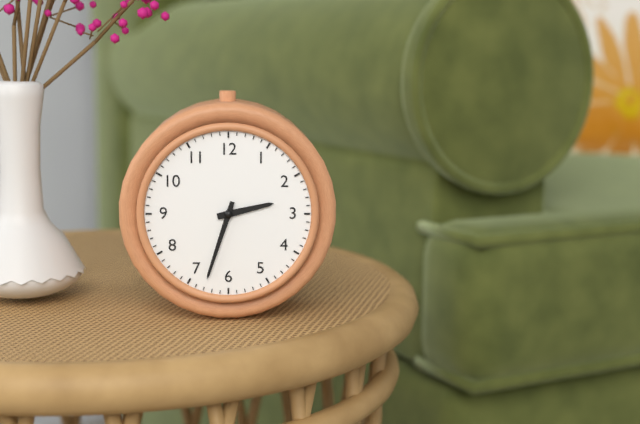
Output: **2:33**
